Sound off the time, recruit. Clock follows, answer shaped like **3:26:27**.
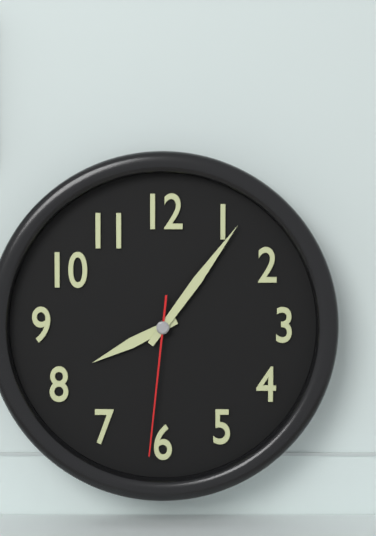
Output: **8:06:31**
